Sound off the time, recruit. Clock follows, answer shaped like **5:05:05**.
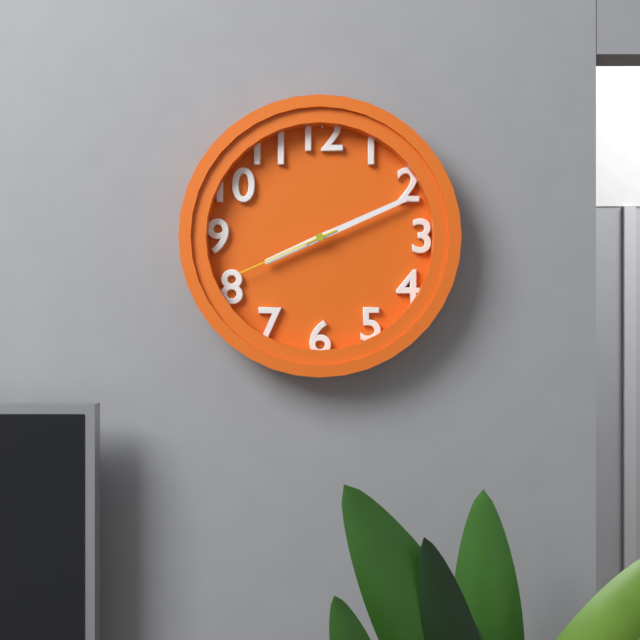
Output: **8:11:41**
